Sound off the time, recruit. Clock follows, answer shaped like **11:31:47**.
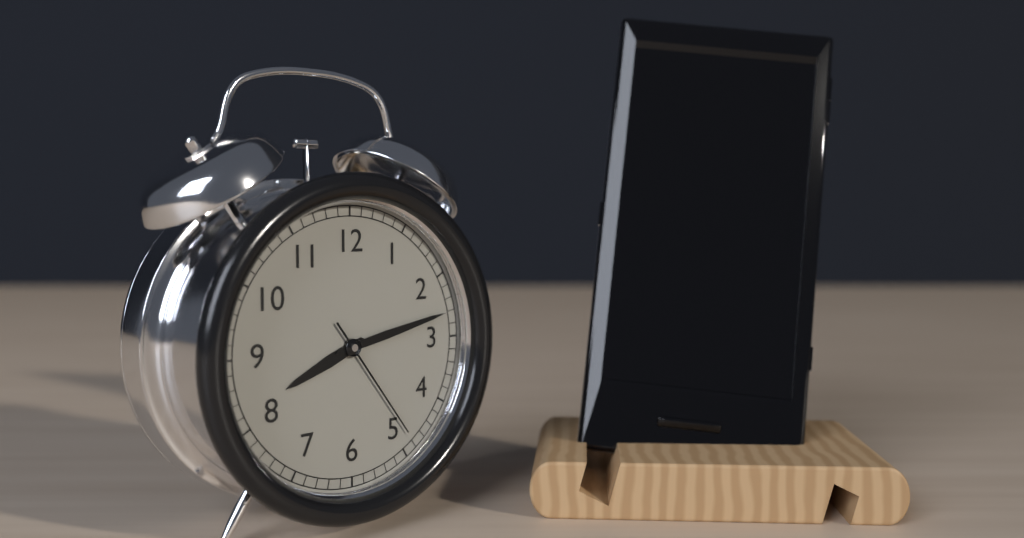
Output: **8:13:24**
